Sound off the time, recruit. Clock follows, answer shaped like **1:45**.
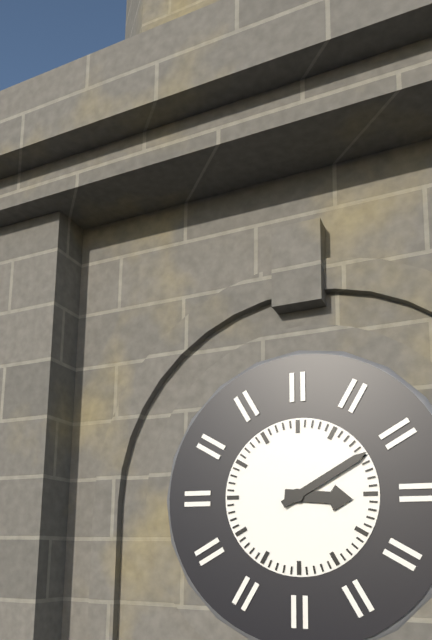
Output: **3:10**
